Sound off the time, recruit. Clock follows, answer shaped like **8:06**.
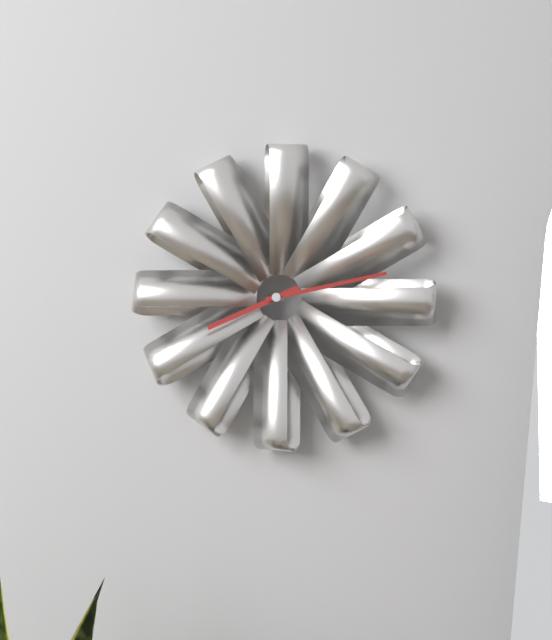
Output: **8:13**
